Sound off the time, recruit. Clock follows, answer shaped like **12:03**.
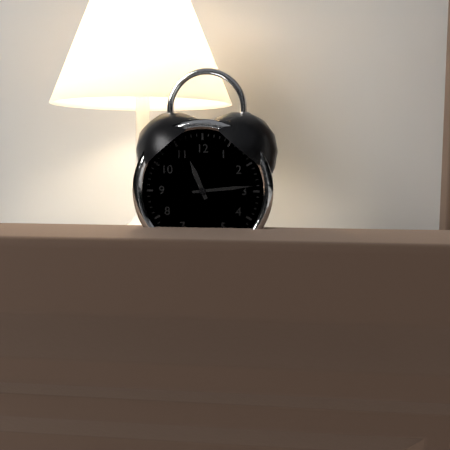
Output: **11:14**
